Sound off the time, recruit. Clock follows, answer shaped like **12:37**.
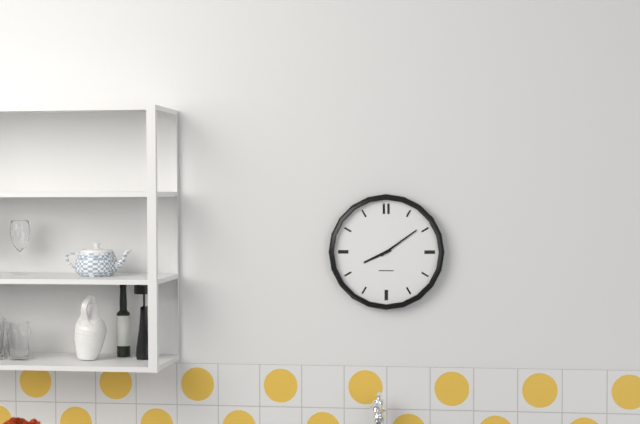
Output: **8:09**
